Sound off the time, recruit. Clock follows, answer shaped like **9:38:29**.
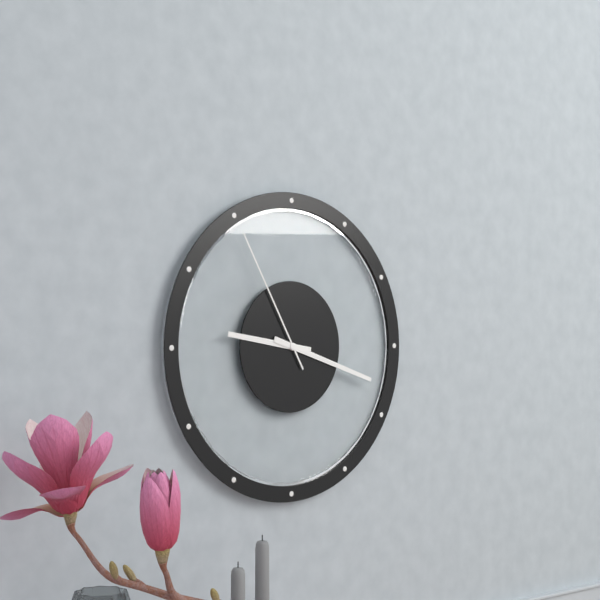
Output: **9:18:55**
